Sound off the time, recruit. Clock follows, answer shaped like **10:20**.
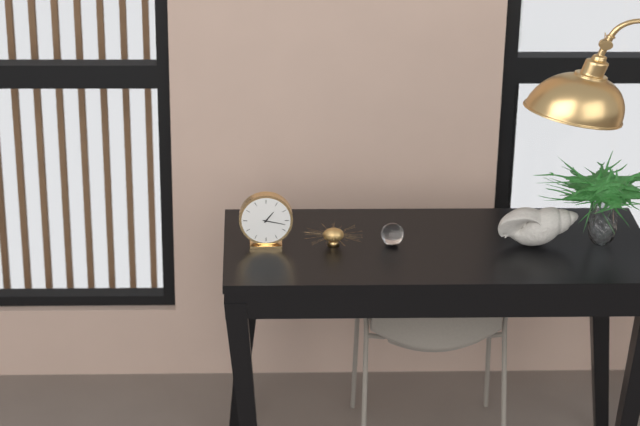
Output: **1:17**
